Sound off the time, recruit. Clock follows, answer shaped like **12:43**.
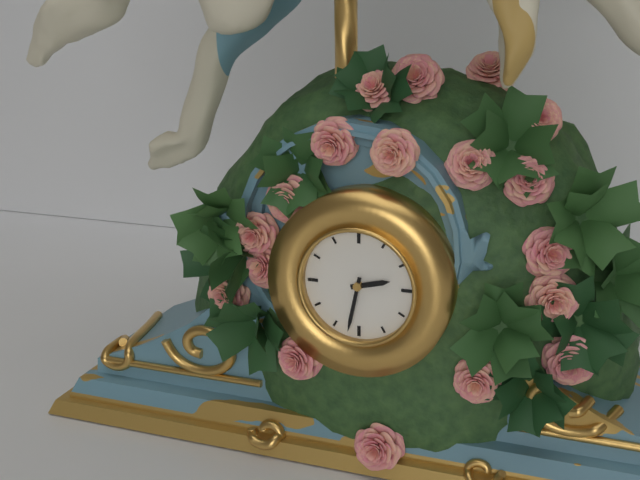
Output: **2:32**
